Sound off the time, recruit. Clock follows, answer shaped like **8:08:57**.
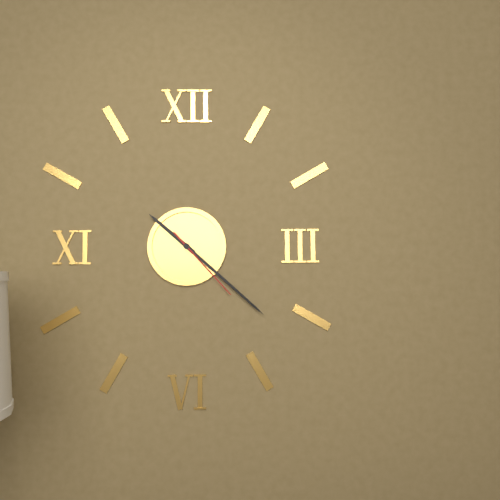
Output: **10:22:23**
